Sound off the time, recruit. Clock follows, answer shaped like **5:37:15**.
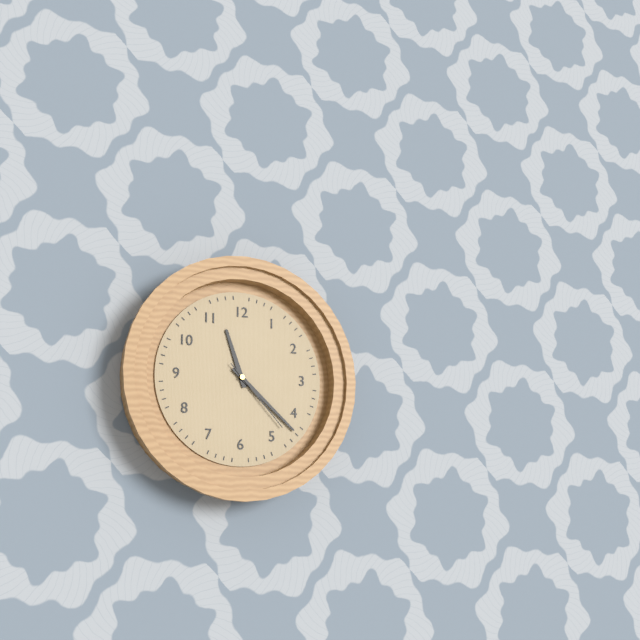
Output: **11:22:23**
